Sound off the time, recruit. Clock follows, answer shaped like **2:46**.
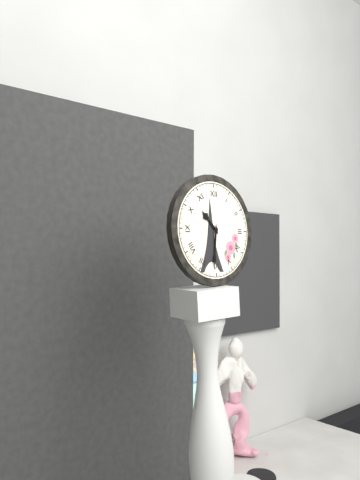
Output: **10:31**
